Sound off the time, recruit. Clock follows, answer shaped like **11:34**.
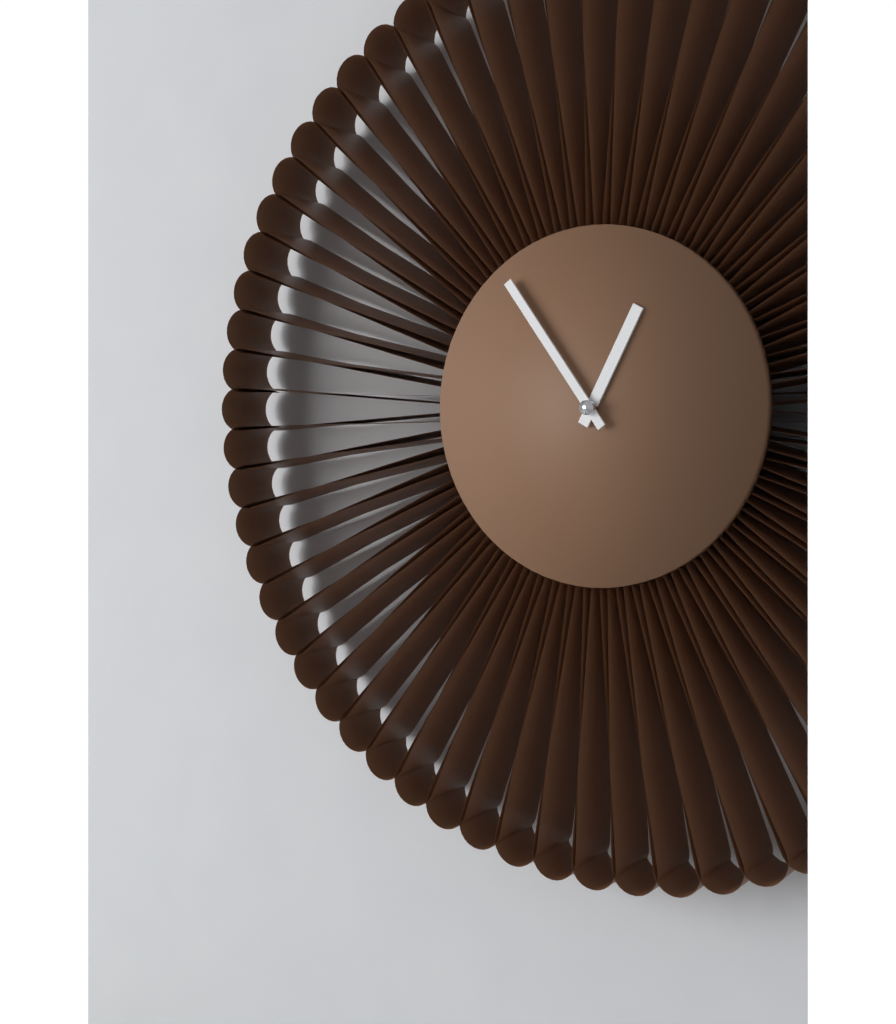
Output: **12:54**
